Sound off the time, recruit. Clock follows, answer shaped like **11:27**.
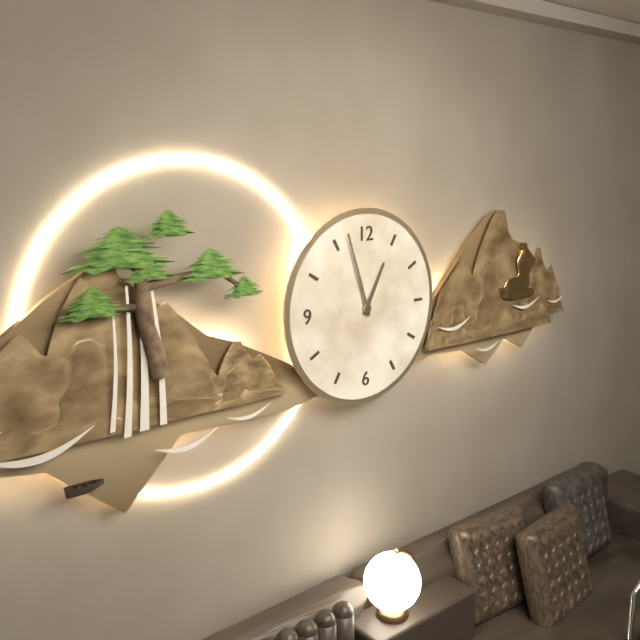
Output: **12:57**
